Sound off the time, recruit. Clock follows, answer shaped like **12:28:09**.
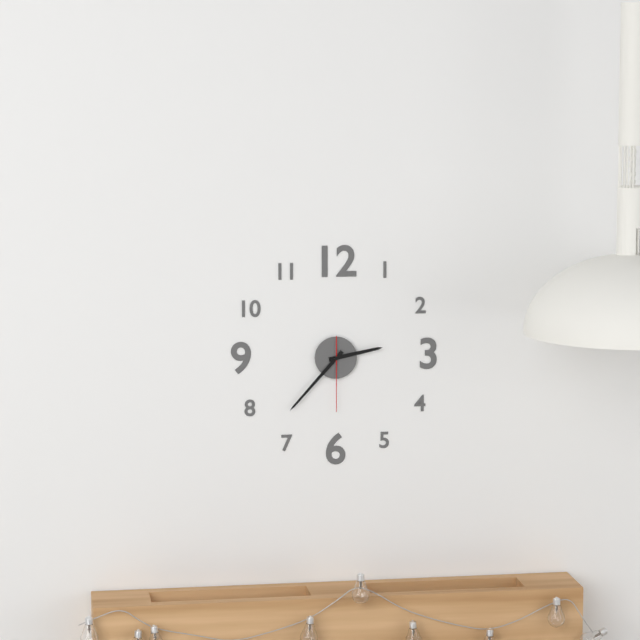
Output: **2:37:30**
